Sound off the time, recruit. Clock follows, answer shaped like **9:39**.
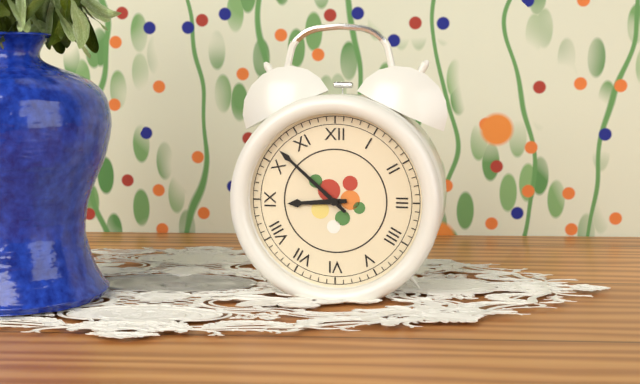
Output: **8:52**
